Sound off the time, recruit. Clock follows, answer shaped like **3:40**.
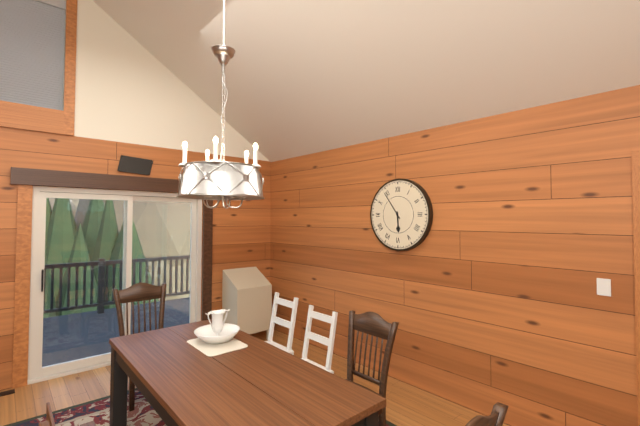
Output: **5:54**
